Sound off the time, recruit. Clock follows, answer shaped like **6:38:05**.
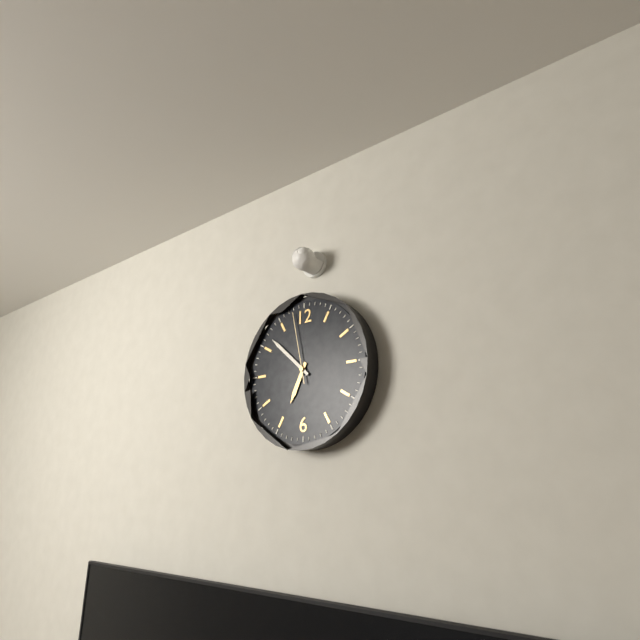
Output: **6:52:58**
